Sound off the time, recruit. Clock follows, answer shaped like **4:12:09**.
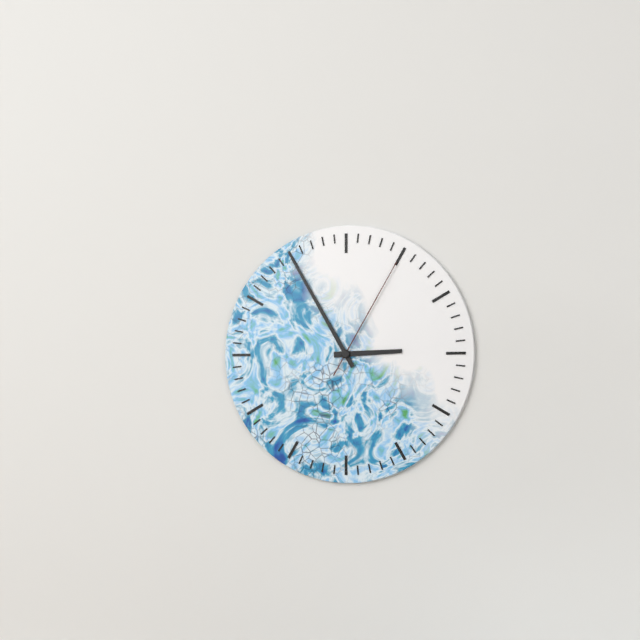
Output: **2:55:05**
